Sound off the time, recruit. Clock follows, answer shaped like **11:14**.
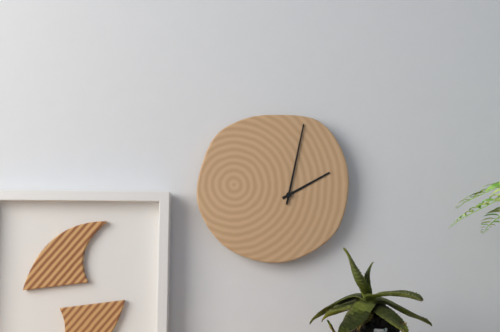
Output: **2:02**
